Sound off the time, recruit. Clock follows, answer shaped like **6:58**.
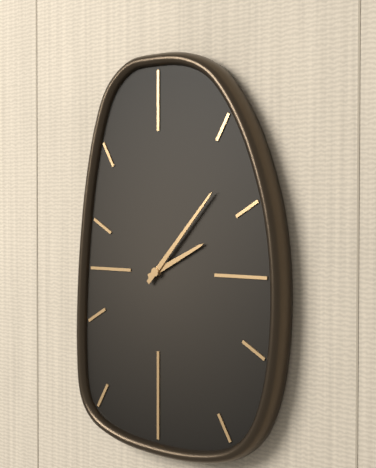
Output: **2:07**
